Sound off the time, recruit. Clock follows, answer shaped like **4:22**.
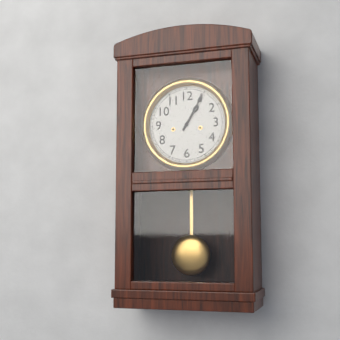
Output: **1:05**
